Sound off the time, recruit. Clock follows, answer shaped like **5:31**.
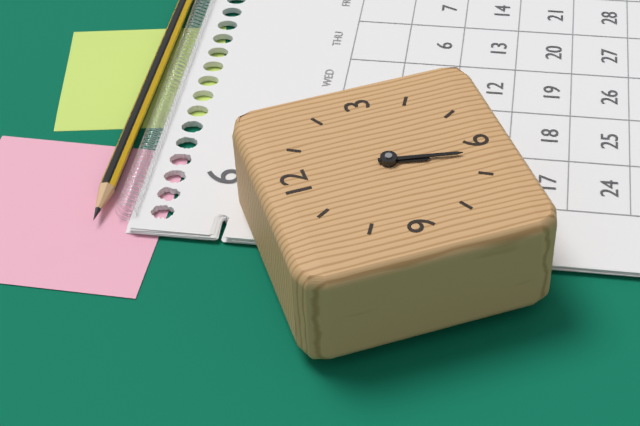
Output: **6:32**
